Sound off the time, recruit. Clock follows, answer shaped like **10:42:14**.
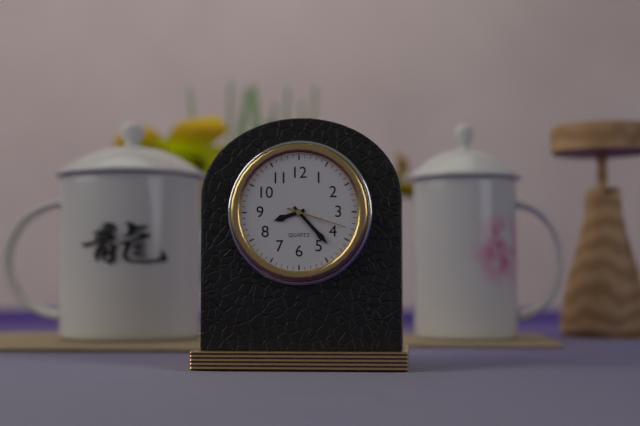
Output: **8:23:18**
